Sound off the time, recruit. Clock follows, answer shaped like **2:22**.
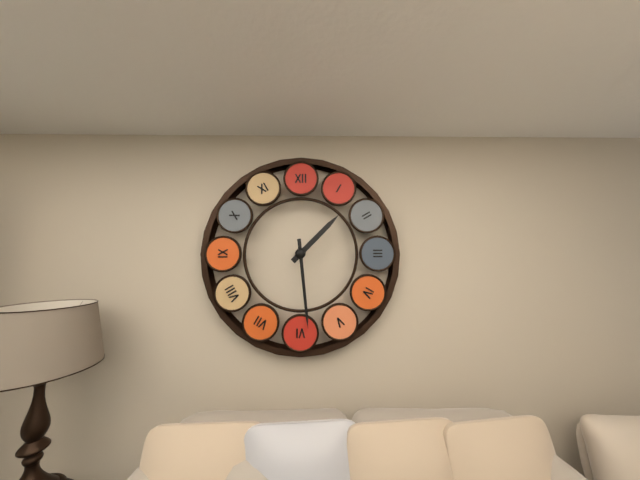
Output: **1:29**
